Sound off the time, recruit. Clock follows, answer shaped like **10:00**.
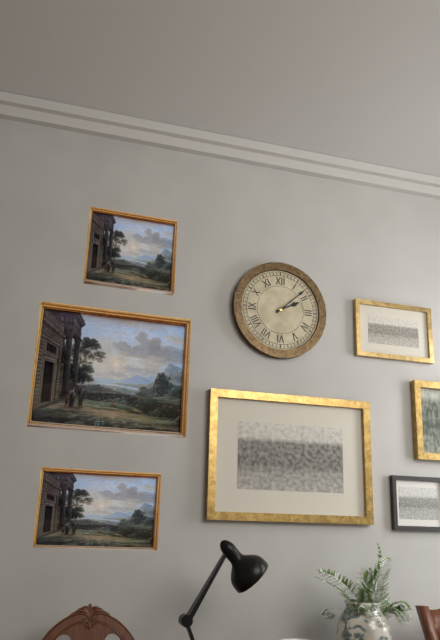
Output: **2:08**
